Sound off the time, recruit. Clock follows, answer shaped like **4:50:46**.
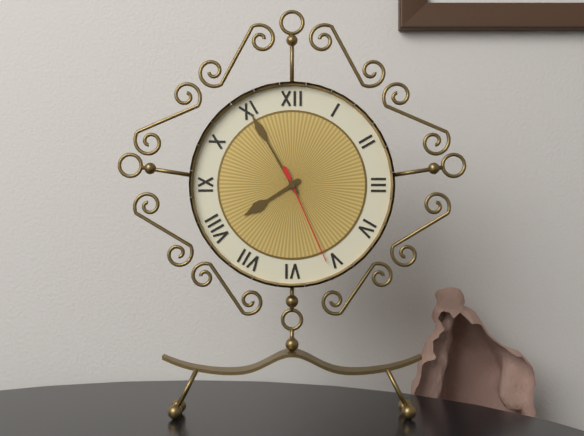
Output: **7:55:26**
